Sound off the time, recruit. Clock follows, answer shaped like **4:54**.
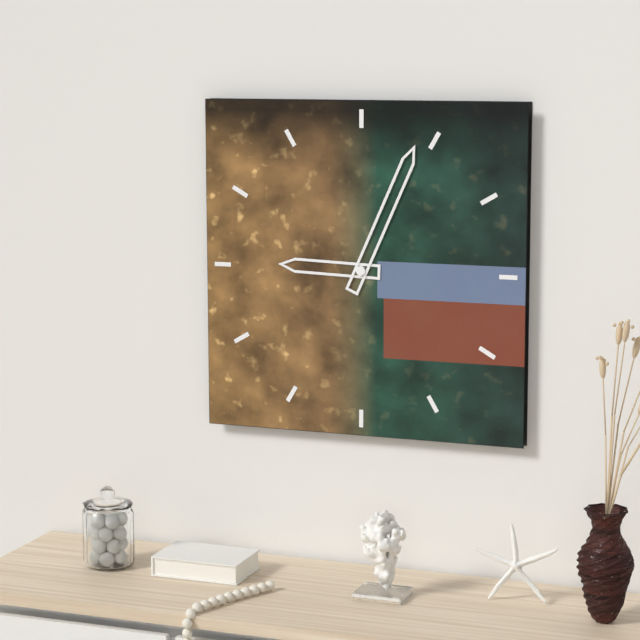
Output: **9:04**
